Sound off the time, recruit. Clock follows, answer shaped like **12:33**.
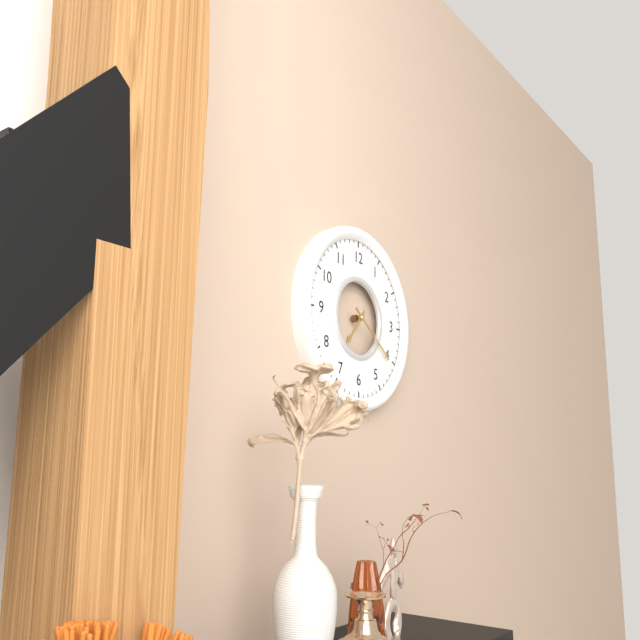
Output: **7:21**
